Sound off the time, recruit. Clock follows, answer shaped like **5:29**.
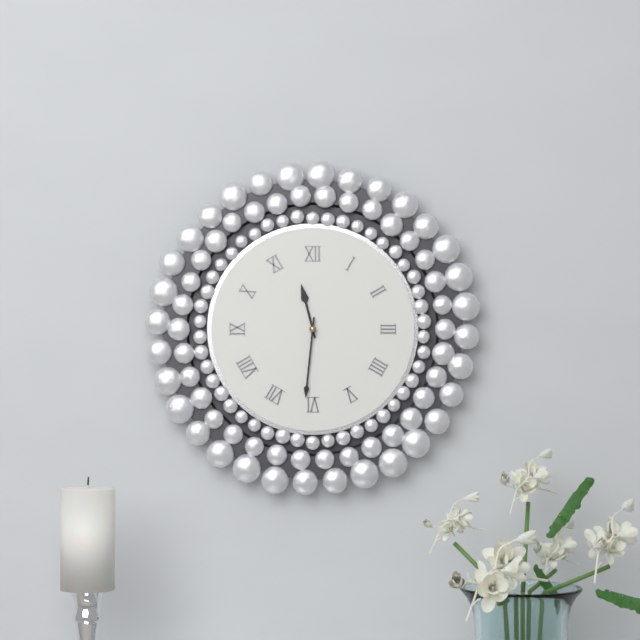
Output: **11:31**
